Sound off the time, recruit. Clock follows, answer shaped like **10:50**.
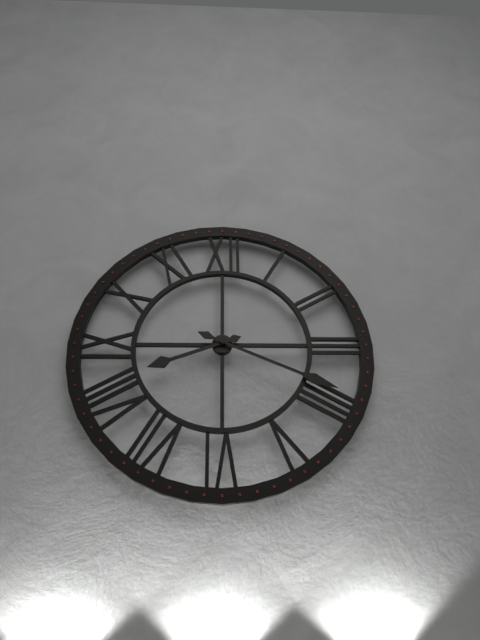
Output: **8:19**
